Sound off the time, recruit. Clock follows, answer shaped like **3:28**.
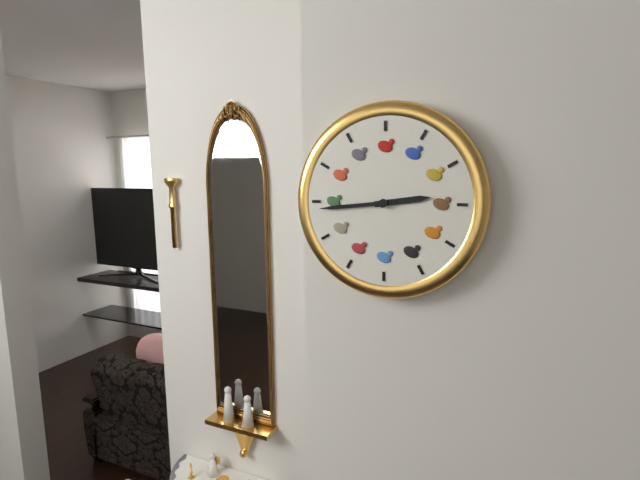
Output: **2:44**
